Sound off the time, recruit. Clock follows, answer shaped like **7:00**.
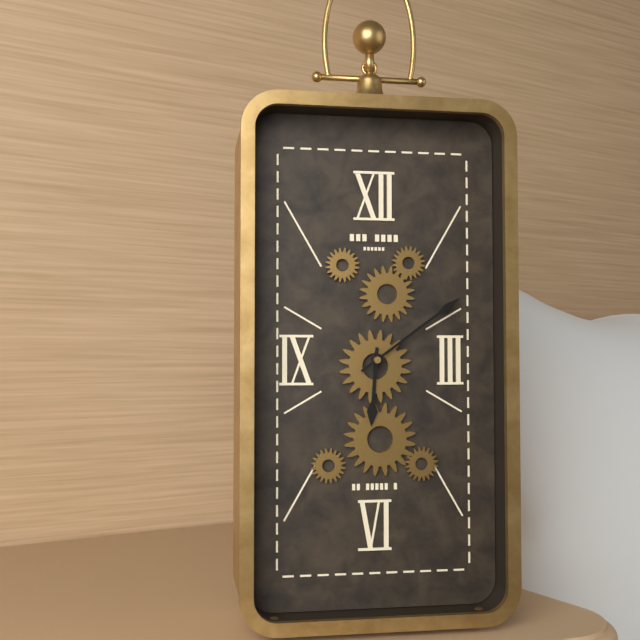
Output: **6:09**
